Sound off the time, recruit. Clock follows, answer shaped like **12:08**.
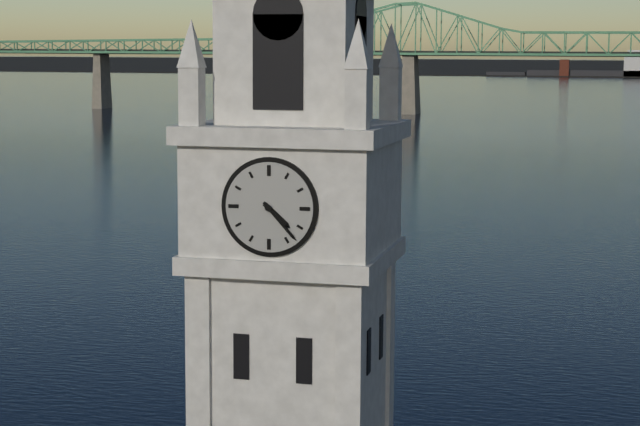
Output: **4:23**
